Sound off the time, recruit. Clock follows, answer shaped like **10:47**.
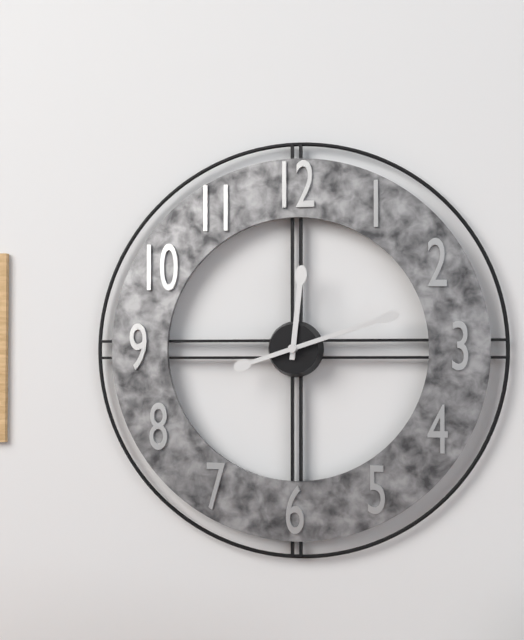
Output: **12:12**
